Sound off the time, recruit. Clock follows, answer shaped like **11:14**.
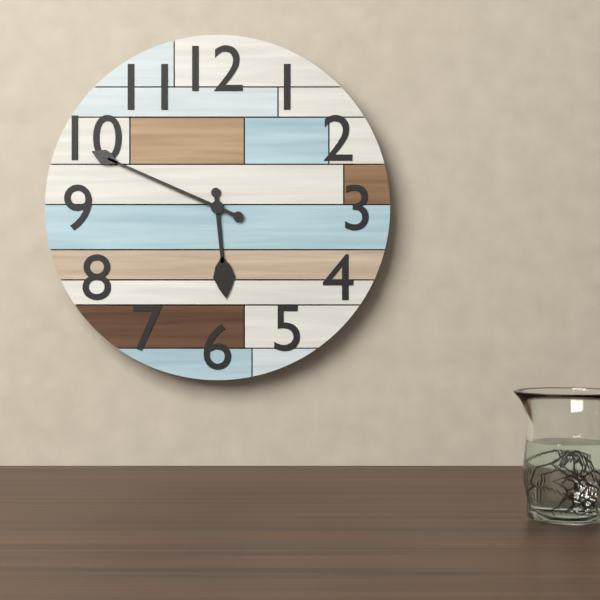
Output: **5:49**
